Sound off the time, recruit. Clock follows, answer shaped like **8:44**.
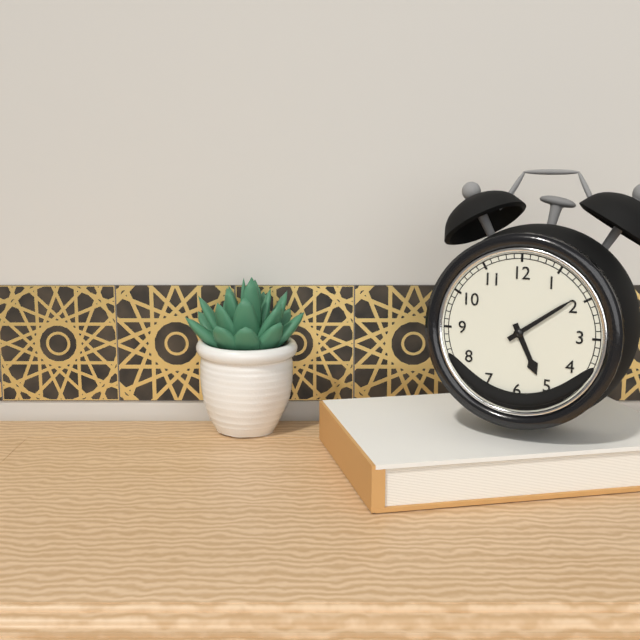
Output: **5:09**
